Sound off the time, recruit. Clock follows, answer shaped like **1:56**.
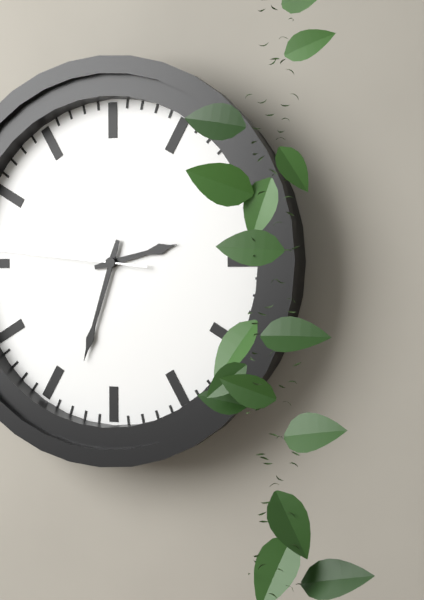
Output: **2:33**
